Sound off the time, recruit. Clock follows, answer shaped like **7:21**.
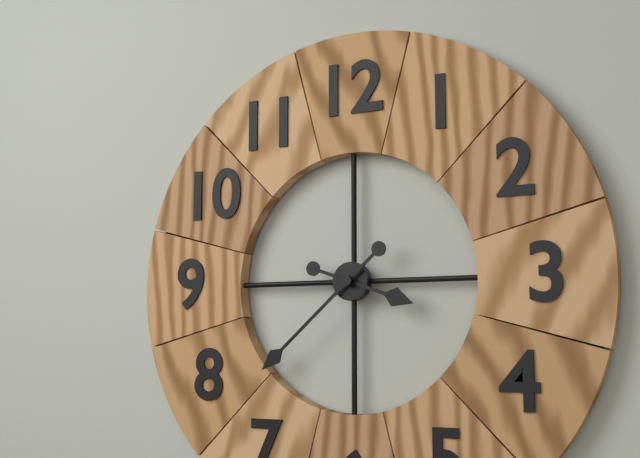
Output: **3:38**
